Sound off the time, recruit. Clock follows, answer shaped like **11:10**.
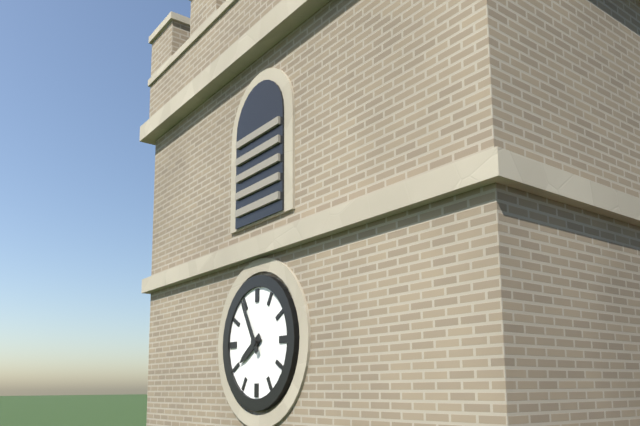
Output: **7:55**
